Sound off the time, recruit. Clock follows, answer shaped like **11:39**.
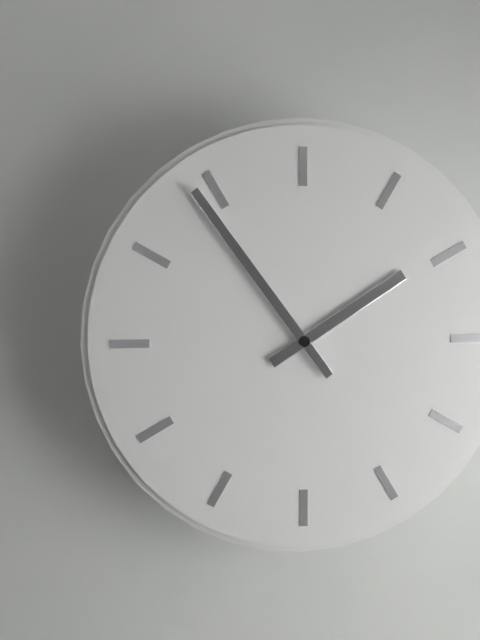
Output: **1:54**
